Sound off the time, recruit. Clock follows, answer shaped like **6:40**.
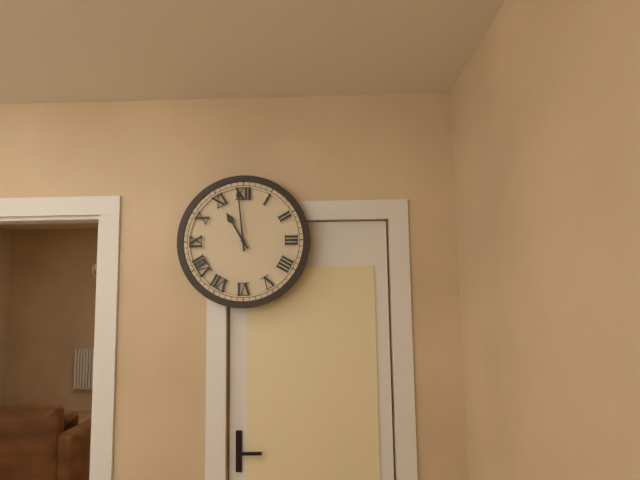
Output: **10:59**
